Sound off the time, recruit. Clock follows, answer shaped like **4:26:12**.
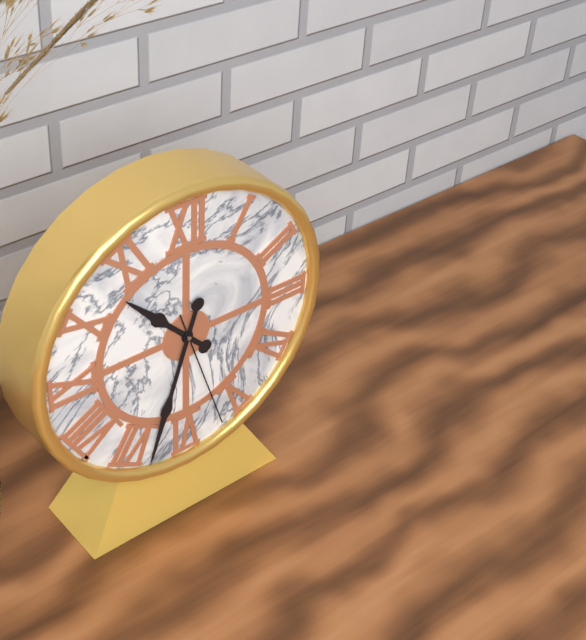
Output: **10:33:27**
